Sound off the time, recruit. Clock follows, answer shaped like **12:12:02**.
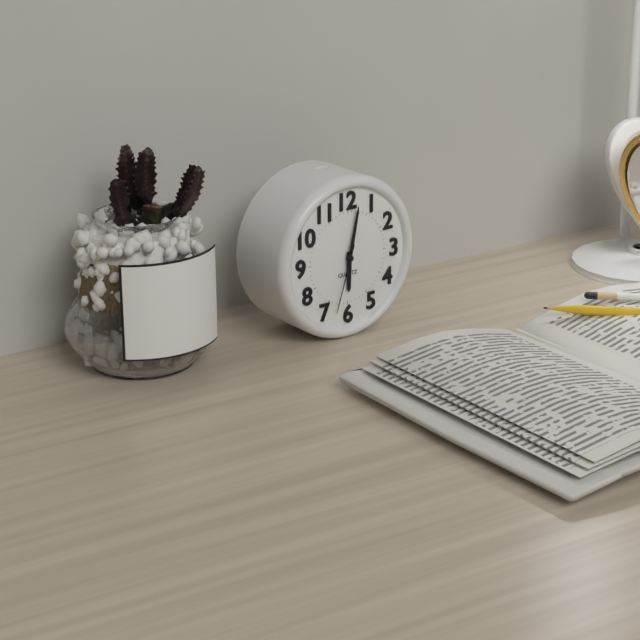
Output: **6:02:33**
